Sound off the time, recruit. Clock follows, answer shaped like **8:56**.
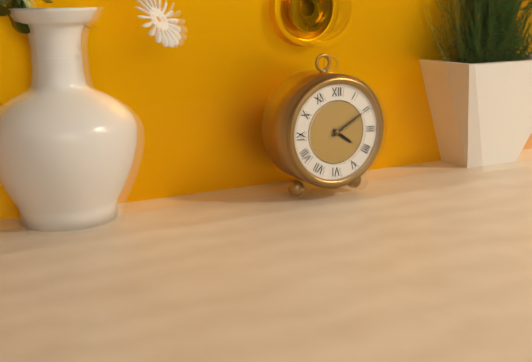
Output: **4:10**
